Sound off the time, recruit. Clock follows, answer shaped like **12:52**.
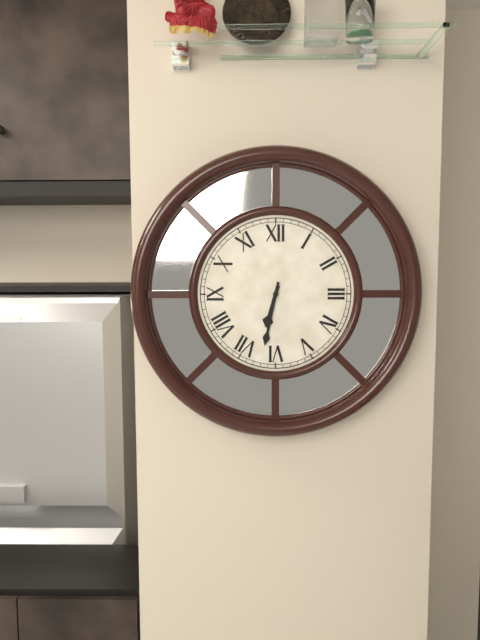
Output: **6:32**
